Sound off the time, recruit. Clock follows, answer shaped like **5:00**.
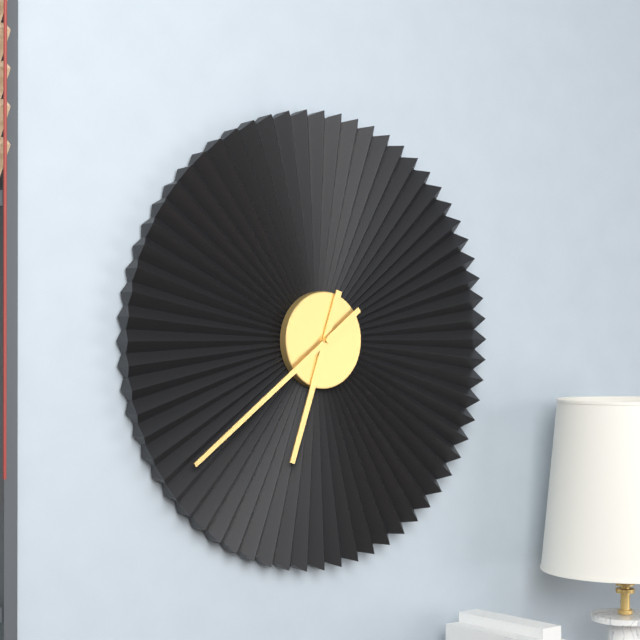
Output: **6:39**
